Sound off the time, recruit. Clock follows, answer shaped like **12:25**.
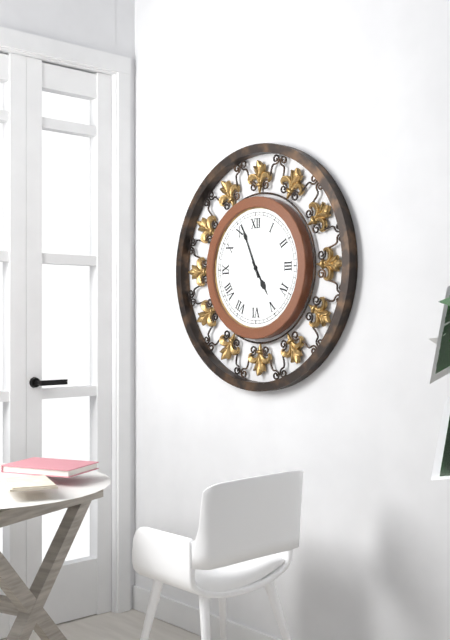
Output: **4:56**
